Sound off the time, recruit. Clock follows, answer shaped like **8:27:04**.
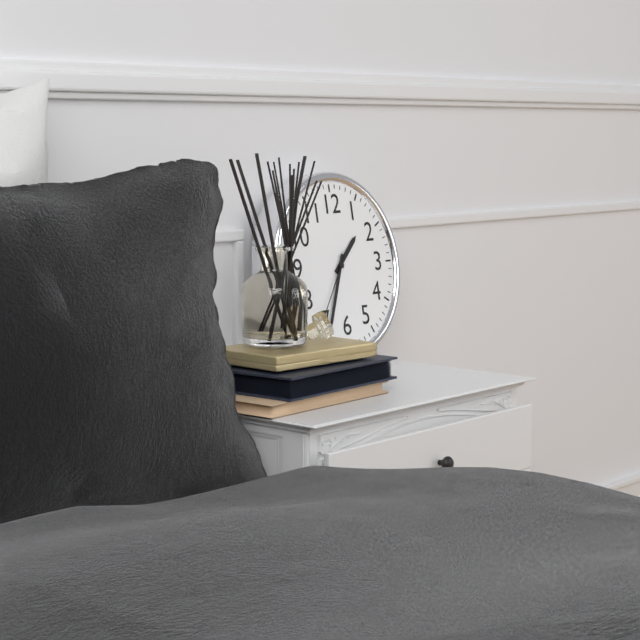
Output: **1:34:36**
